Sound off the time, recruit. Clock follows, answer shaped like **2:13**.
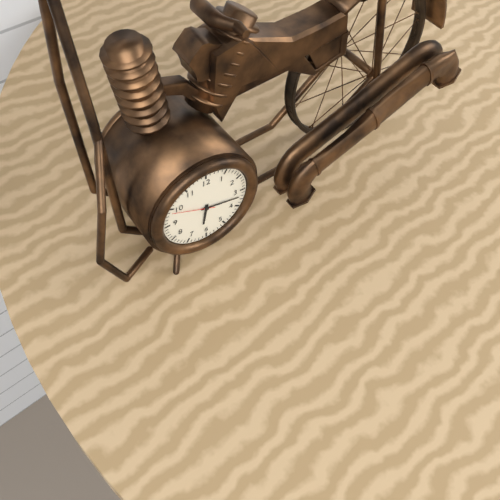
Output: **6:17**
